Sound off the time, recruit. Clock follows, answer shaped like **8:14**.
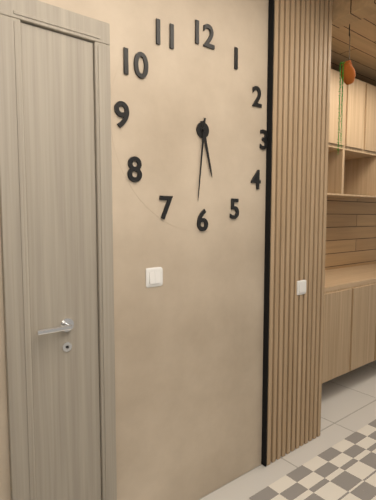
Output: **5:31**
